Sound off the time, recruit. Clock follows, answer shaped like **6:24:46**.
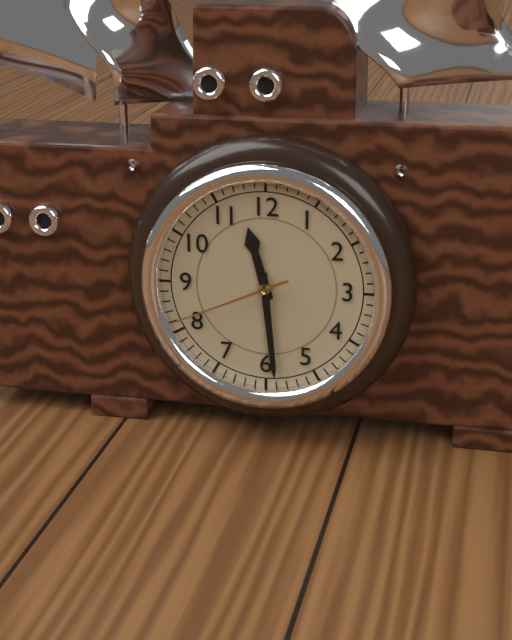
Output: **11:29:41**
